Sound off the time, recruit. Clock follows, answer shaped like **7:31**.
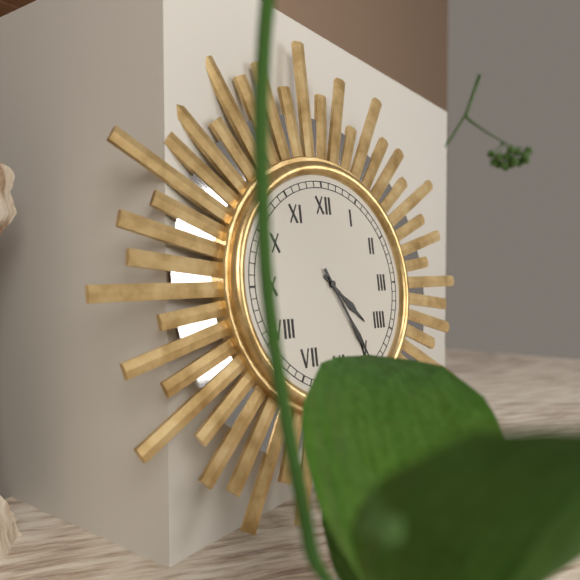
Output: **4:25**
